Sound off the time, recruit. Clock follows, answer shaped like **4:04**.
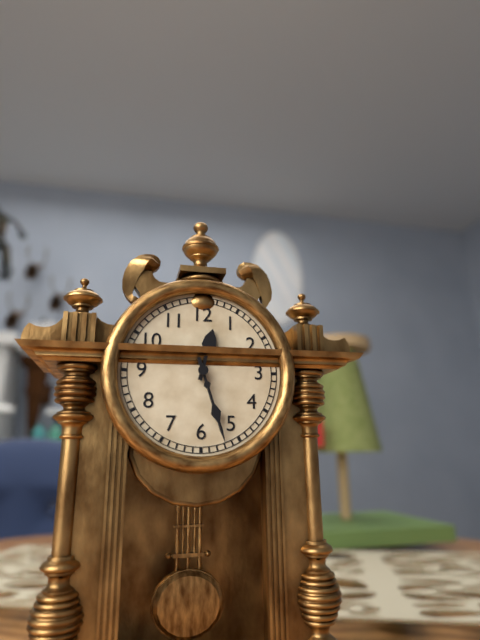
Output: **12:27**
